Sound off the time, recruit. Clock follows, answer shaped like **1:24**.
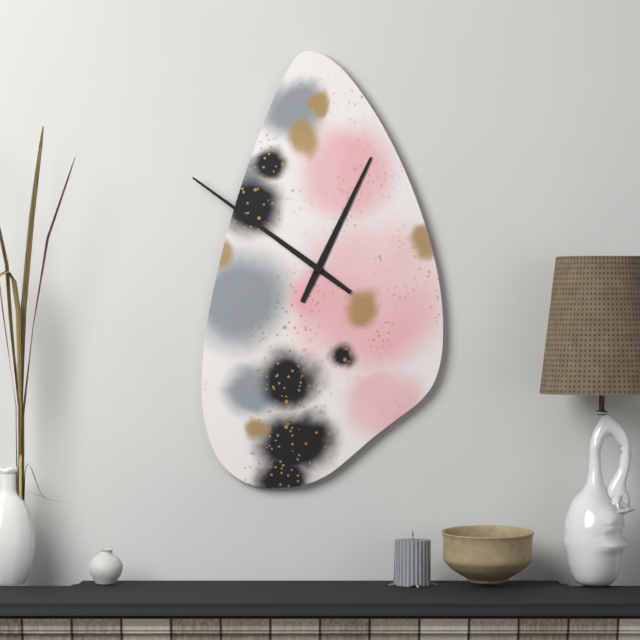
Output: **12:51**
